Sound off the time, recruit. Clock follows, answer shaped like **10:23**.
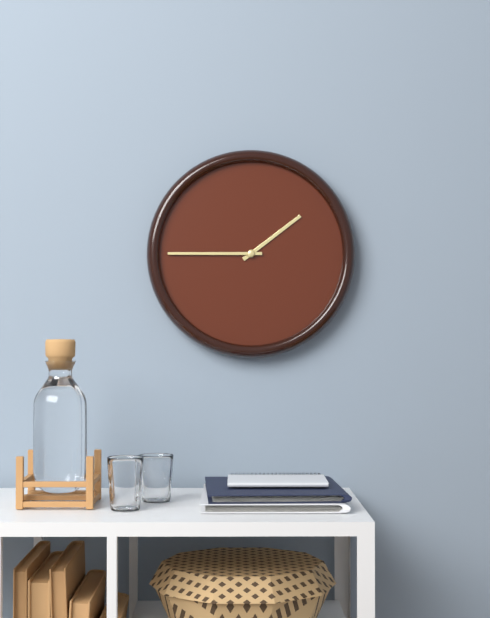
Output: **1:45**
